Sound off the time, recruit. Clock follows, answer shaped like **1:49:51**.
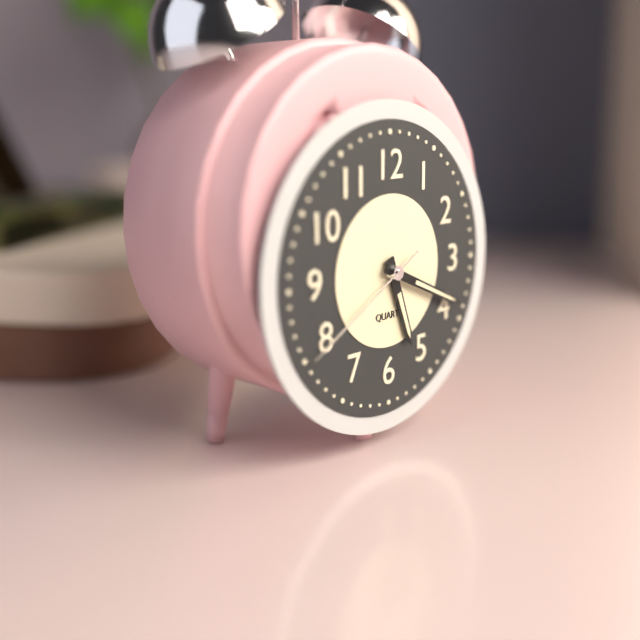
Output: **5:19:40**
